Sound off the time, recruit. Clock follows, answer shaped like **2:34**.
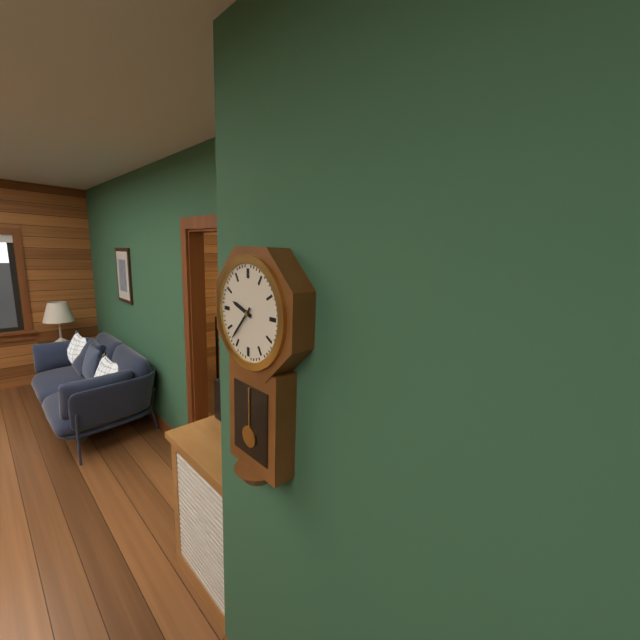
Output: **9:37**
